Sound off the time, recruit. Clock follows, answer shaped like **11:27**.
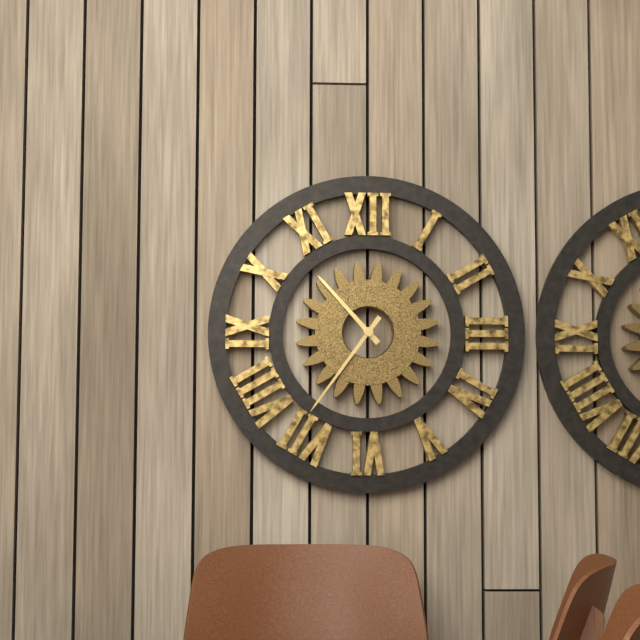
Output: **10:36**
